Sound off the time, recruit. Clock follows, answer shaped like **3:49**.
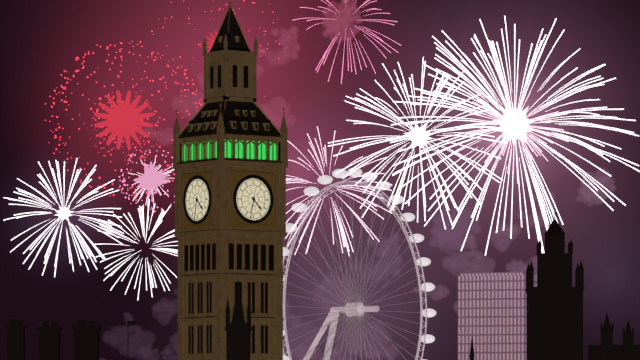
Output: **4:32**
